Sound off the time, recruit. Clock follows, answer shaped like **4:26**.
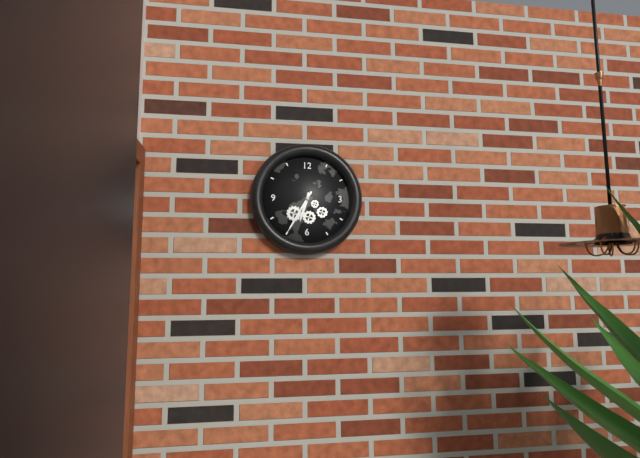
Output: **6:35**
